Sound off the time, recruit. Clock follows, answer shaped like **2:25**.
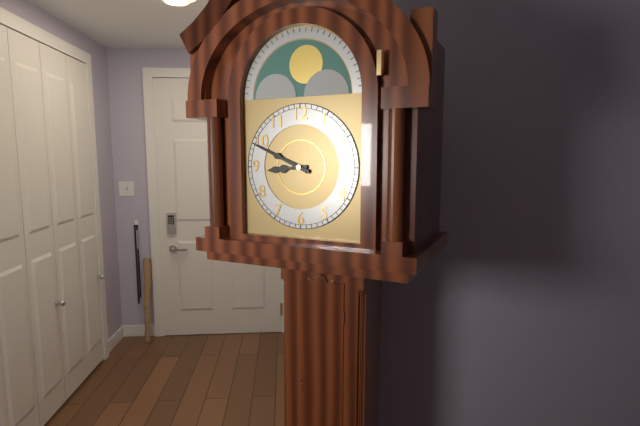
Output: **8:49**
